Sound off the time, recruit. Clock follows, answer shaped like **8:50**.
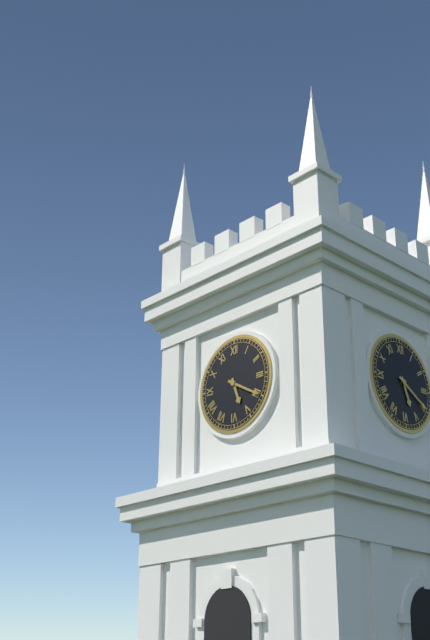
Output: **5:20**
